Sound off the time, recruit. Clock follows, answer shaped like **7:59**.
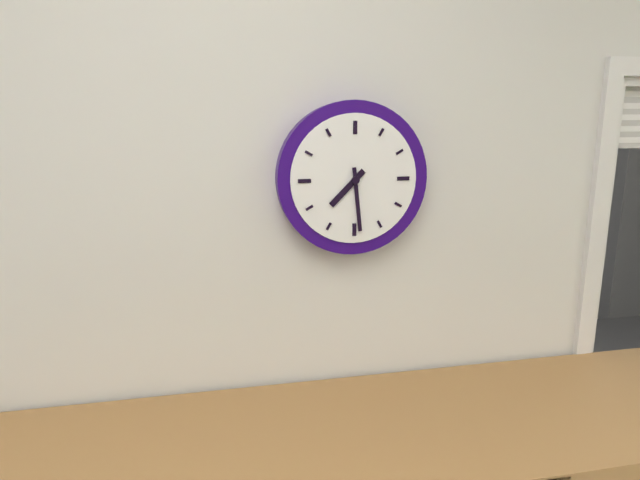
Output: **7:29**
